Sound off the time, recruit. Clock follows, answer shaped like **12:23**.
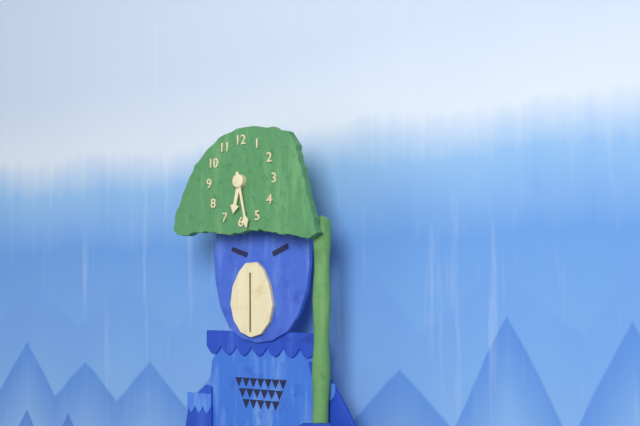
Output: **6:28**
